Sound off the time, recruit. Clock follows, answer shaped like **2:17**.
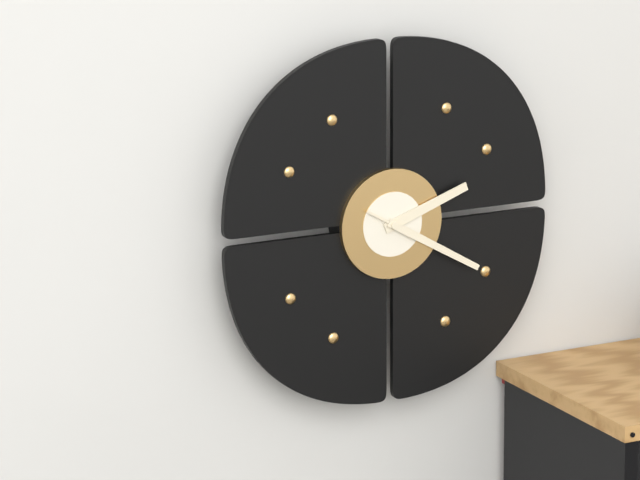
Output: **2:20**
